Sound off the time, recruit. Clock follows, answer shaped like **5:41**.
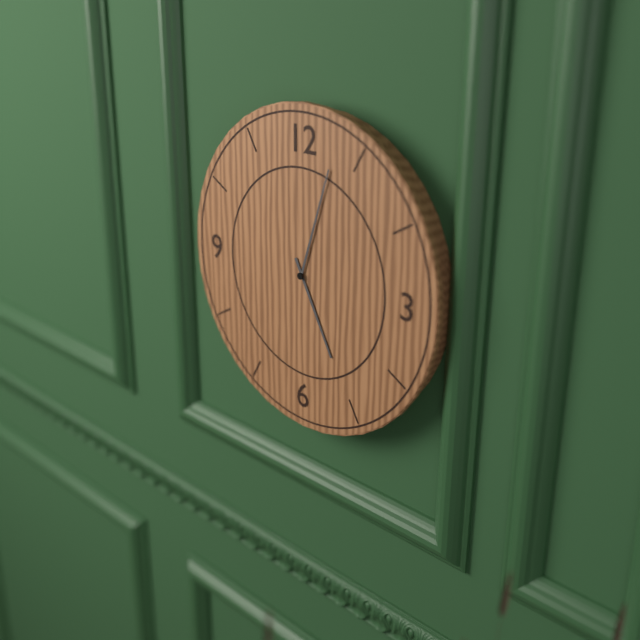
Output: **5:03**
